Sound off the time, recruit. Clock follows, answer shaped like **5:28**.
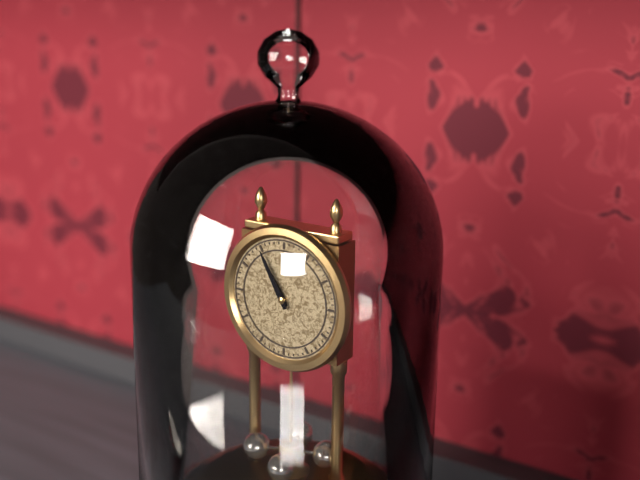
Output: **10:55**
